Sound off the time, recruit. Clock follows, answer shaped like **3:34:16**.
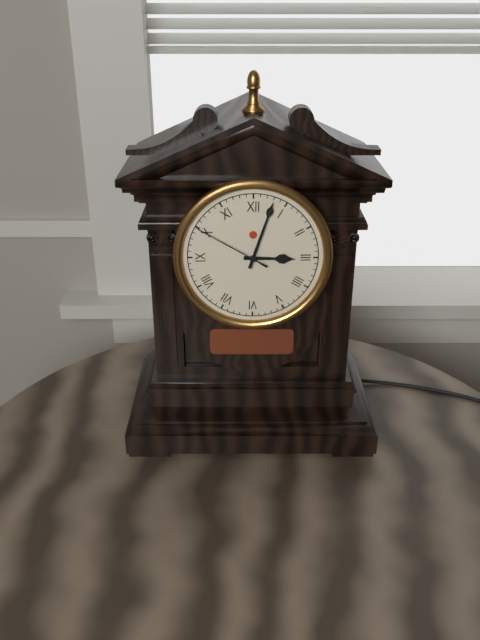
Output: **3:03:50**
